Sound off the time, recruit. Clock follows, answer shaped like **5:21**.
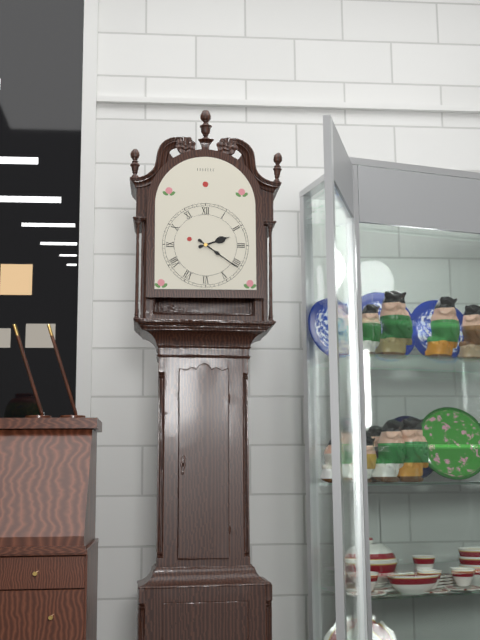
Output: **2:21**
